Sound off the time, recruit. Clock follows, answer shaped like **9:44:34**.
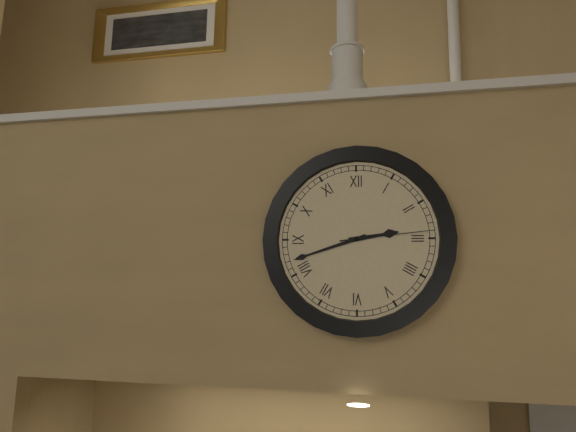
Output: **2:42:14**
